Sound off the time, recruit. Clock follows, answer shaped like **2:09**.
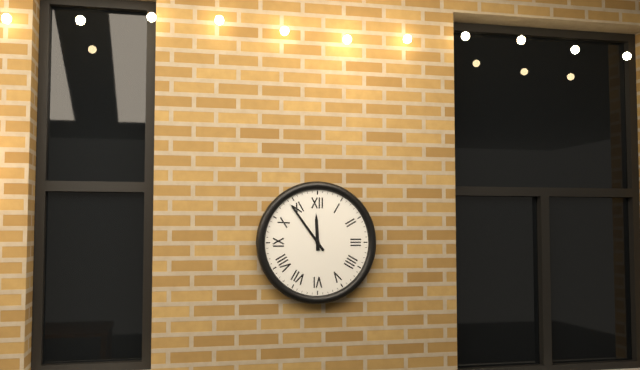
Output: **11:54**
